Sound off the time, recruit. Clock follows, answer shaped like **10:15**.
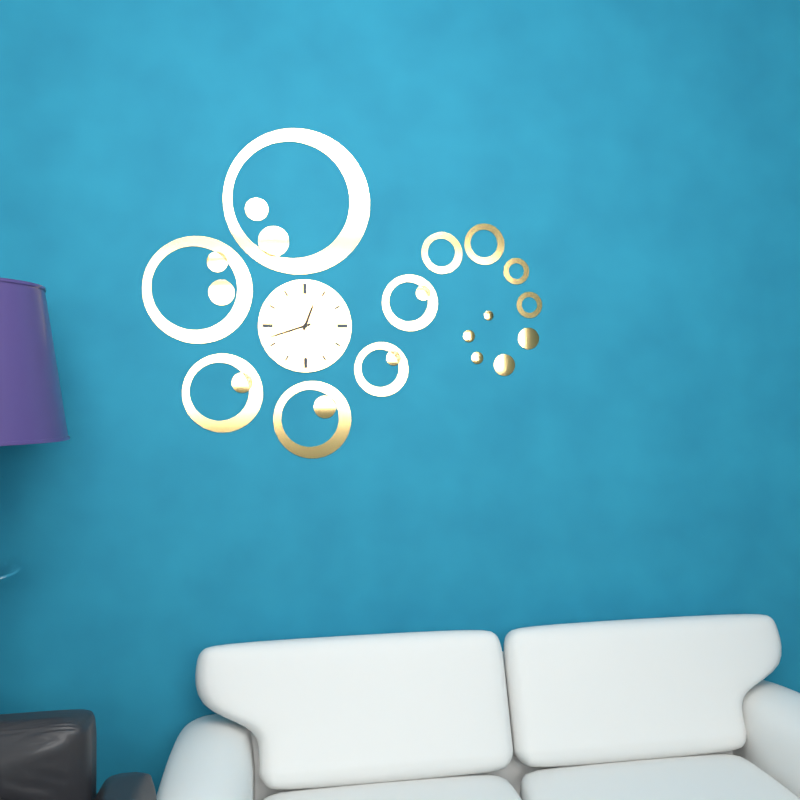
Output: **12:42**
